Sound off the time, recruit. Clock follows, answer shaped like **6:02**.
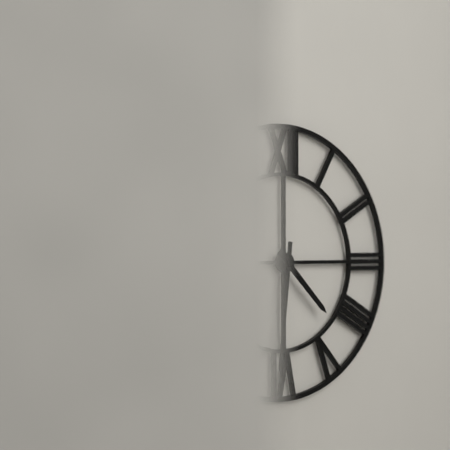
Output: **4:31**
